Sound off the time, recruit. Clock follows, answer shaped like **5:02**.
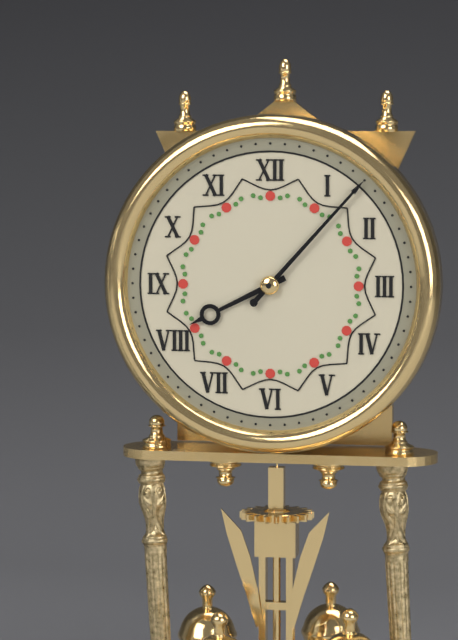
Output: **8:07**
